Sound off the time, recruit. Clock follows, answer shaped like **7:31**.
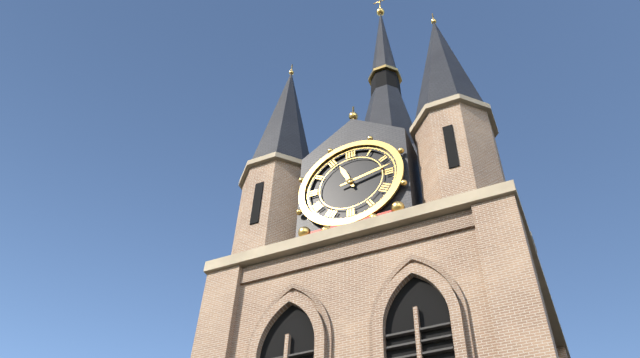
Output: **11:13**
